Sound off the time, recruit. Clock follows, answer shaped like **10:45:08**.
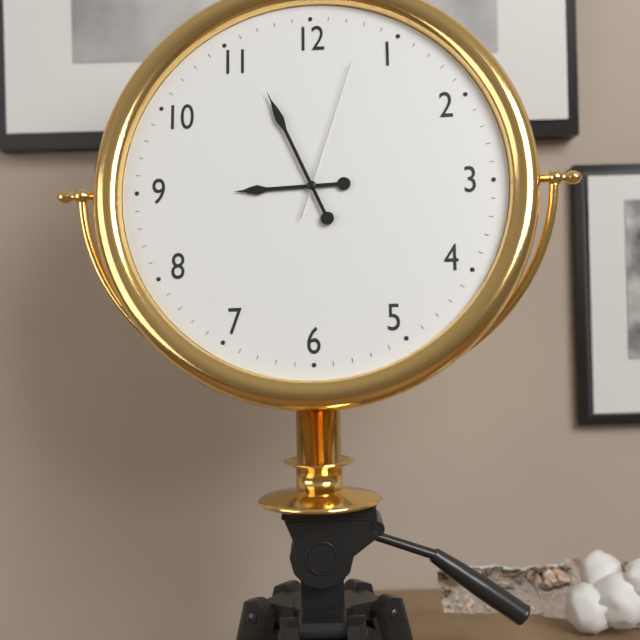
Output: **8:56:03**
